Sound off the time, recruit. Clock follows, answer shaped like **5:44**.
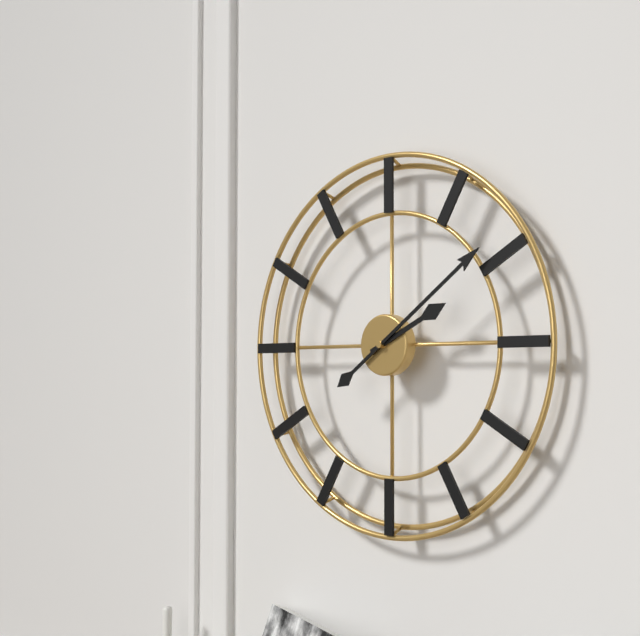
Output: **2:09**
